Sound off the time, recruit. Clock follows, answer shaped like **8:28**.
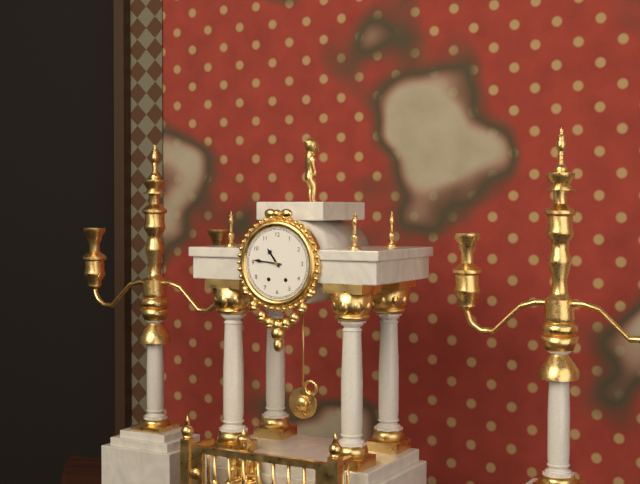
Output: **10:46**
